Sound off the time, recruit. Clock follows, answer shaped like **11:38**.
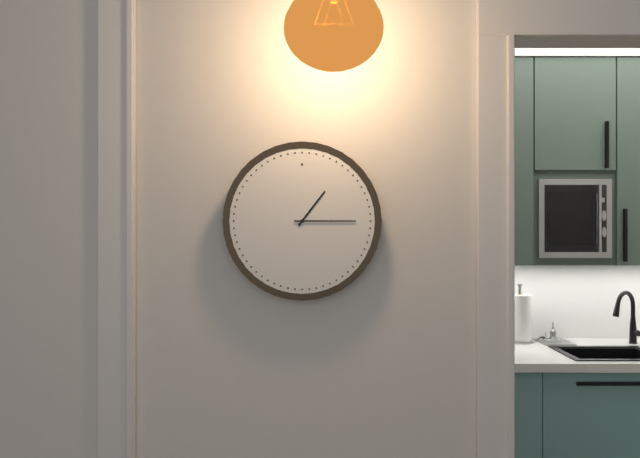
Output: **1:15**
